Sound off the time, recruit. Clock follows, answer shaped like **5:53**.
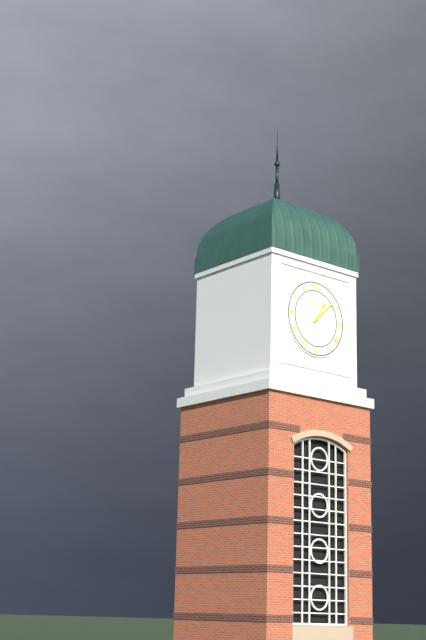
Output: **1:08**
